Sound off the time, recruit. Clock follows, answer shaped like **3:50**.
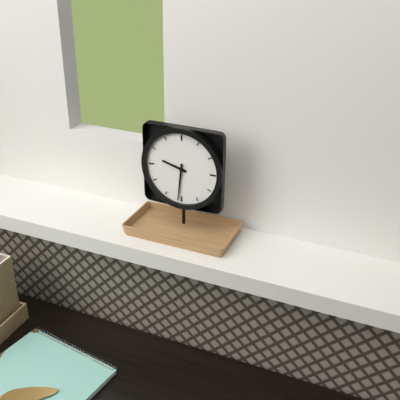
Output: **9:31**
